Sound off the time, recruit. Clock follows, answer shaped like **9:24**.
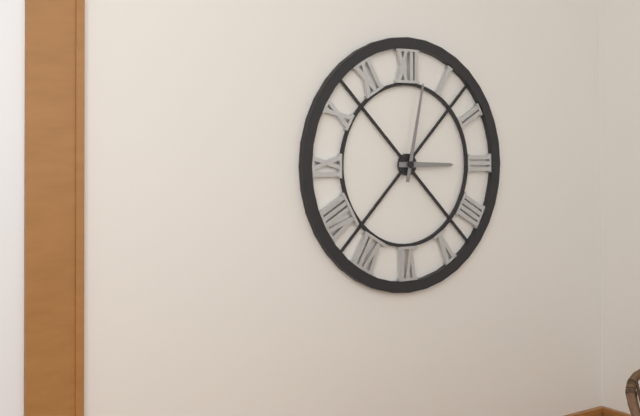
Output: **3:02**
